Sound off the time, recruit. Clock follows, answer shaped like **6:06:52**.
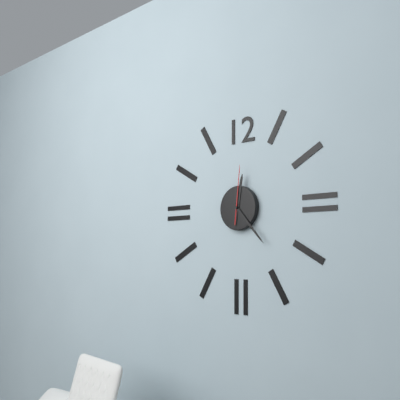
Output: **12:23:01**
